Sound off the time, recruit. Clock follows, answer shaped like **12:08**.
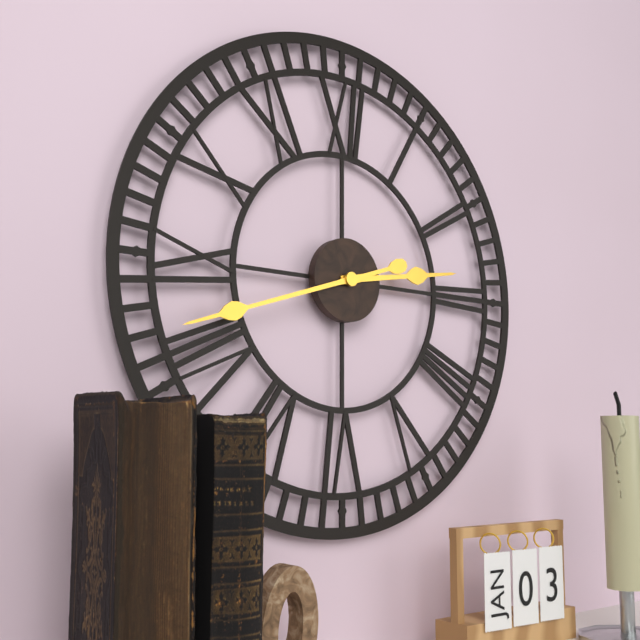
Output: **2:42**
